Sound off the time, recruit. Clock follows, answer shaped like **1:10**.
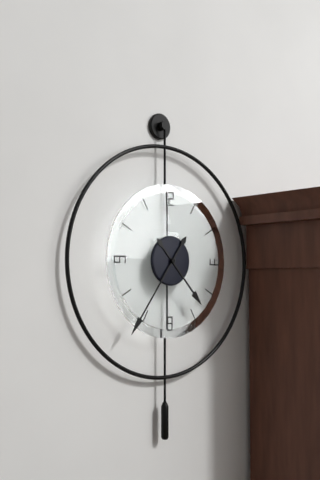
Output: **4:36**
